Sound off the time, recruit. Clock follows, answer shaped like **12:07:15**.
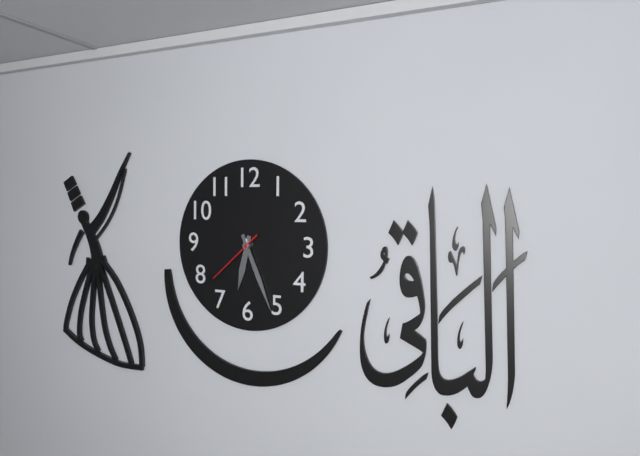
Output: **6:26:38**
